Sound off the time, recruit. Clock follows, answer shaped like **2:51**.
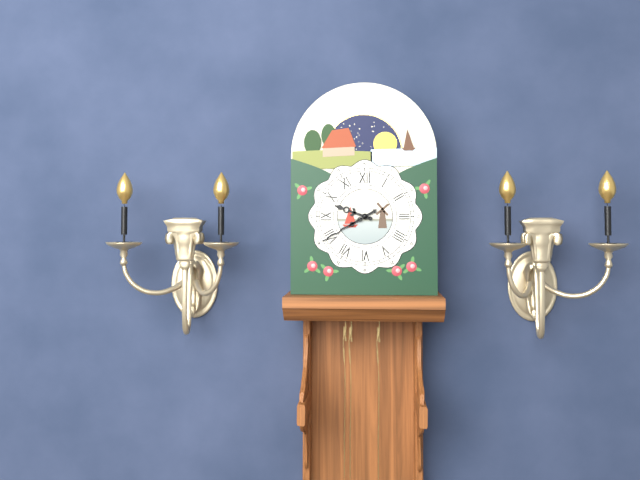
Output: **9:40**
